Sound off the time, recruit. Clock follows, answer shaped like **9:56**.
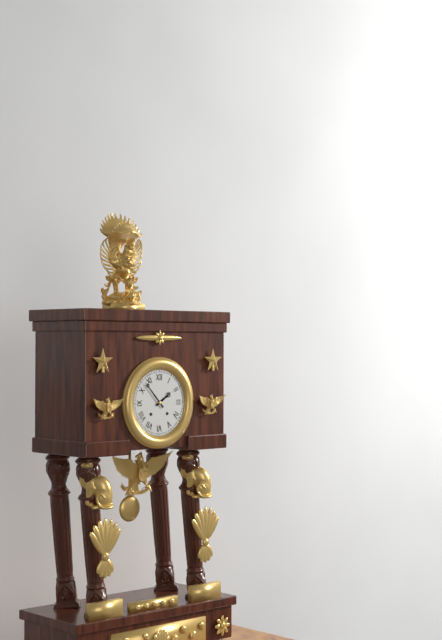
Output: **1:53**
